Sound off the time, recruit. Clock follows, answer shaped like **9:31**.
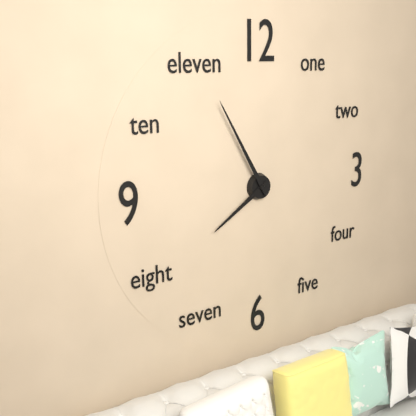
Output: **7:55**
